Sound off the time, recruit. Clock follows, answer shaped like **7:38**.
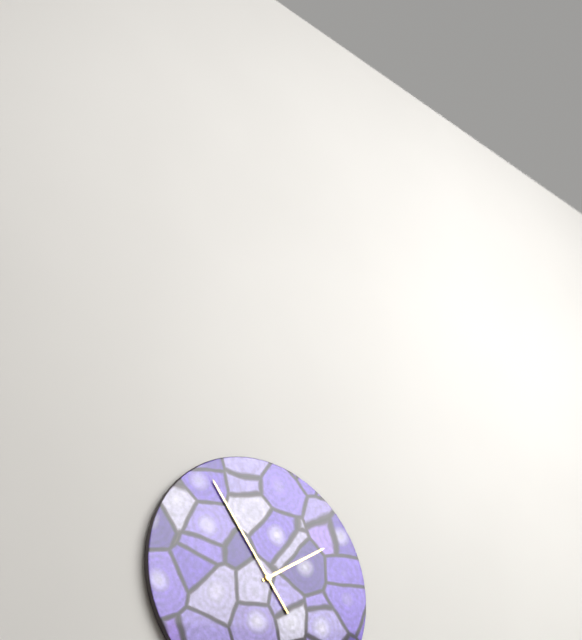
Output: **1:54**
